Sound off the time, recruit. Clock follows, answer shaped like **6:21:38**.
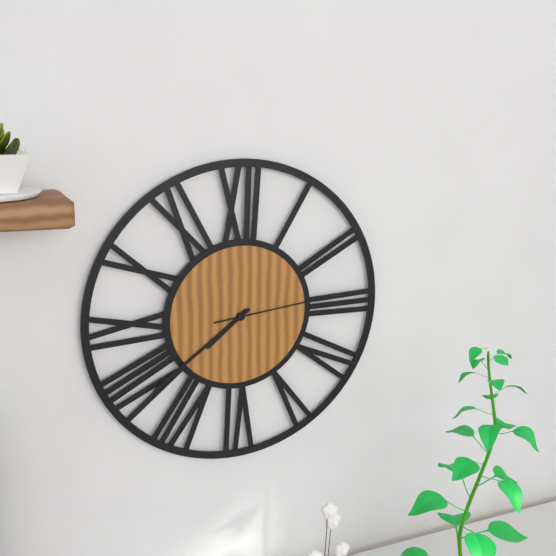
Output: **7:39:14**
